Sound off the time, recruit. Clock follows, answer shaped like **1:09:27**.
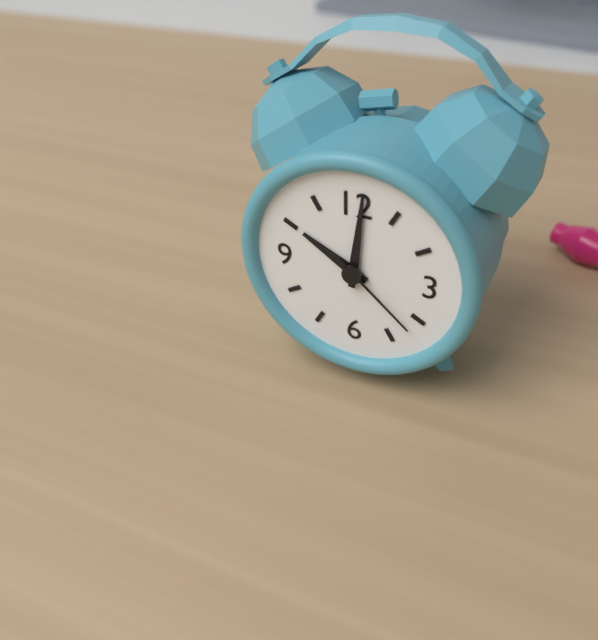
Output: **10:01:22**
